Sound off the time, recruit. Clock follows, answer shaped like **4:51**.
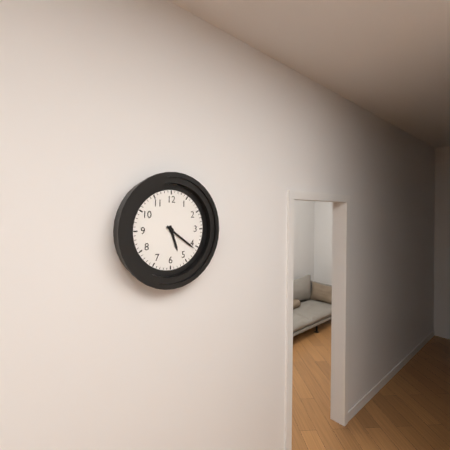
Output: **5:21**
